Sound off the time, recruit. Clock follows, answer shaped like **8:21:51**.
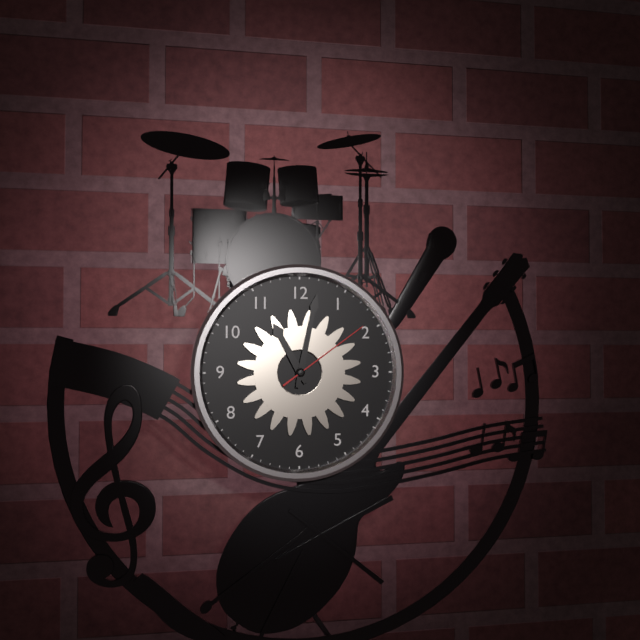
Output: **11:02:09**
